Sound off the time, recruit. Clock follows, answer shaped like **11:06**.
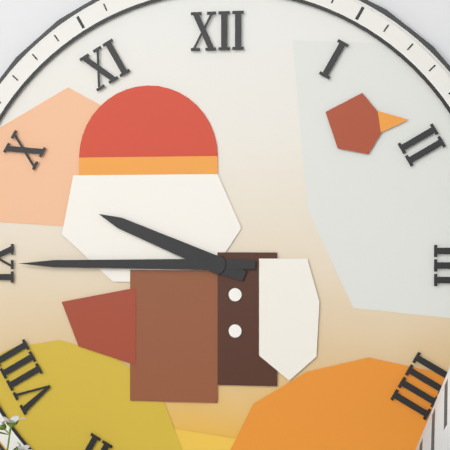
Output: **9:45**
